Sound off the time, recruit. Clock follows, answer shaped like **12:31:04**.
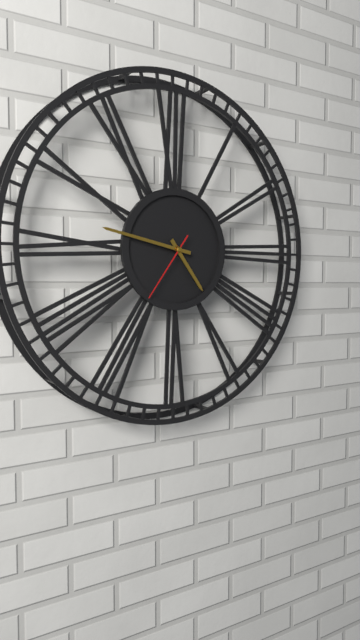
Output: **4:47:36**
